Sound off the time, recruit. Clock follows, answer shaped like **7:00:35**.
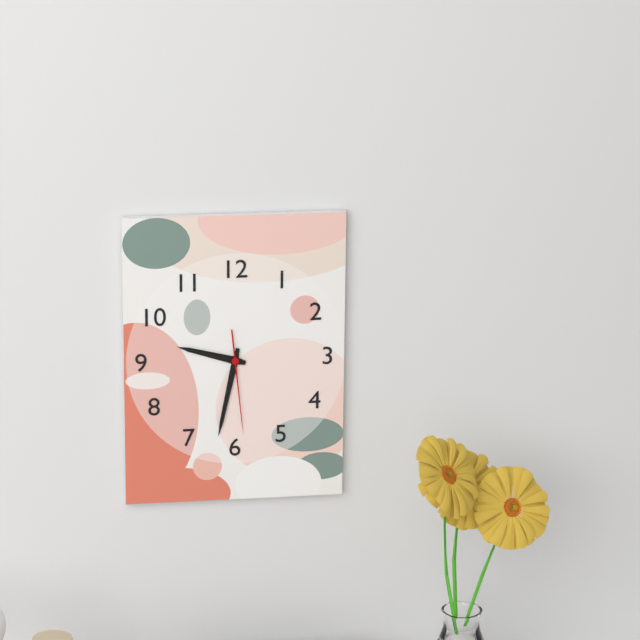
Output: **9:32:29**
